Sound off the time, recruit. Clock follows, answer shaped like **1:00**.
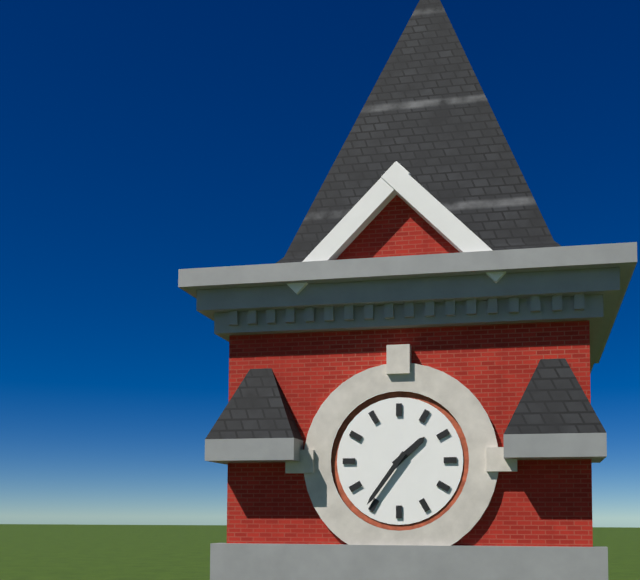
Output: **1:36**
